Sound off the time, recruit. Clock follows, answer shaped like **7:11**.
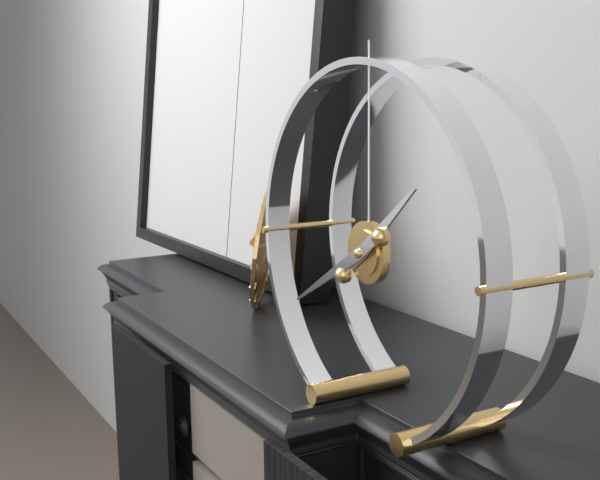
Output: **1:40**
